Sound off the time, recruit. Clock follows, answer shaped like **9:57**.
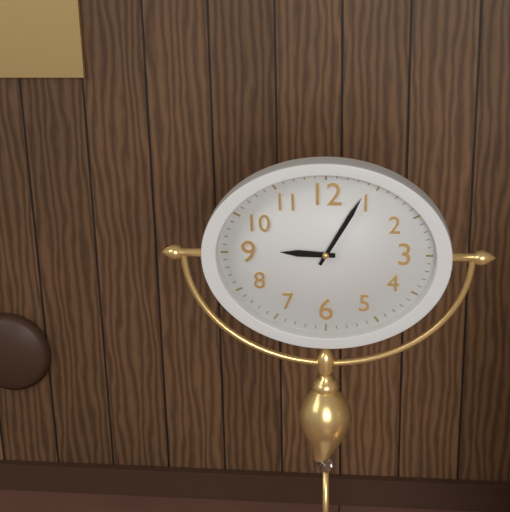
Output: **9:05**
